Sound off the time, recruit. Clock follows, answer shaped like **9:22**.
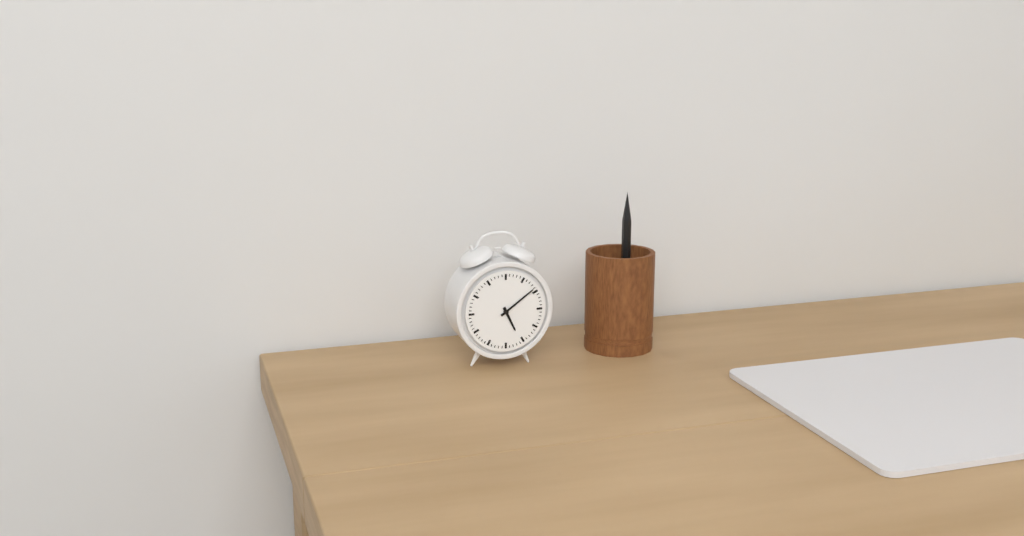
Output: **5:09**
